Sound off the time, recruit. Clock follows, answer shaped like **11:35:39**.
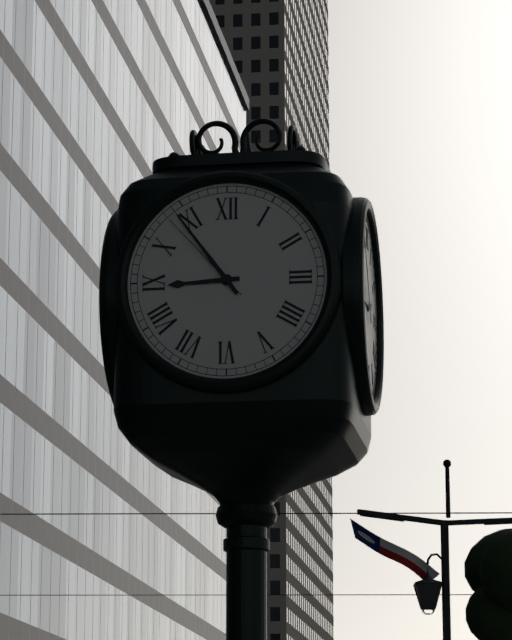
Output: **8:54:53**
